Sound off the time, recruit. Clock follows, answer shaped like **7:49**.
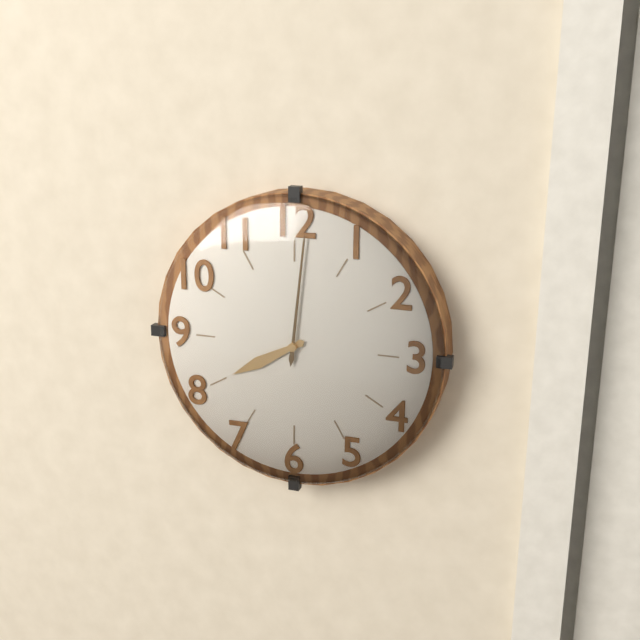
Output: **8:01**
